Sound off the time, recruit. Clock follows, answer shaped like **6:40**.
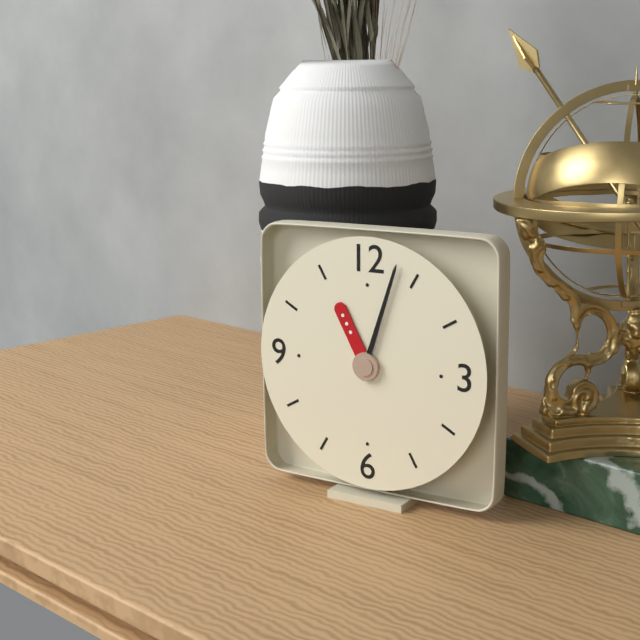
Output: **11:03**
